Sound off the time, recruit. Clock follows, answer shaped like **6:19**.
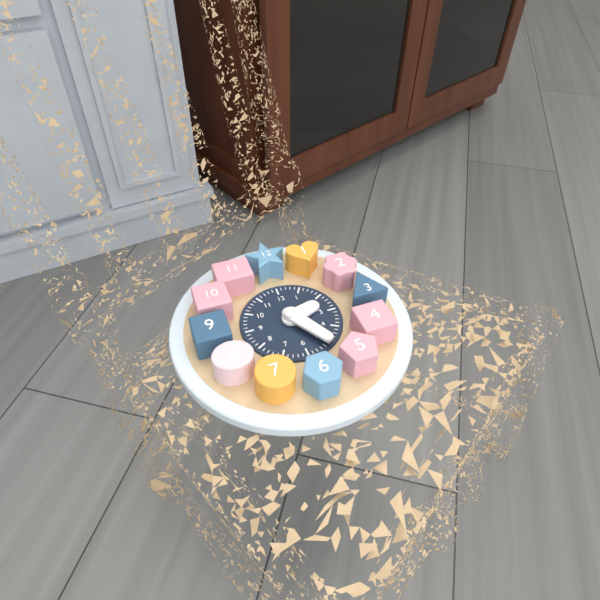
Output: **2:25**
